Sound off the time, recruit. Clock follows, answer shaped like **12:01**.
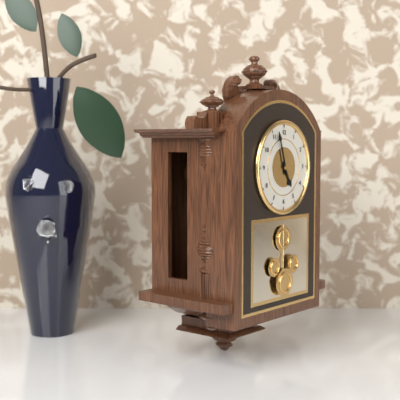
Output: **4:57**
